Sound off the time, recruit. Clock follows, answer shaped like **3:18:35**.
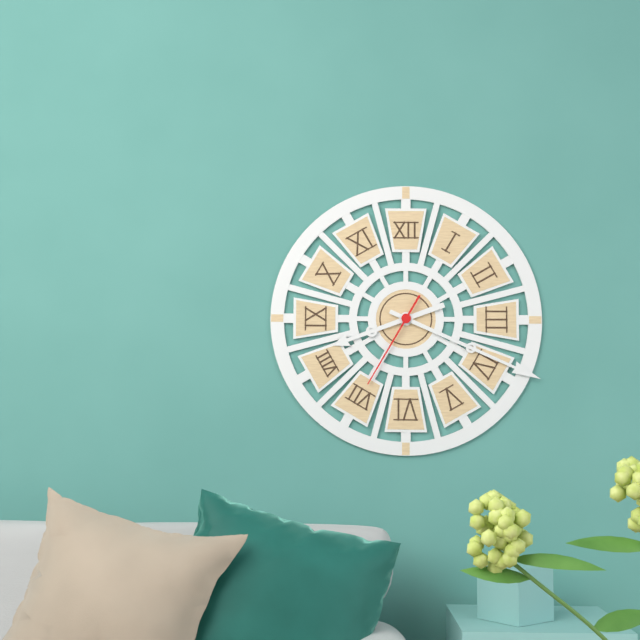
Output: **8:19:35**
